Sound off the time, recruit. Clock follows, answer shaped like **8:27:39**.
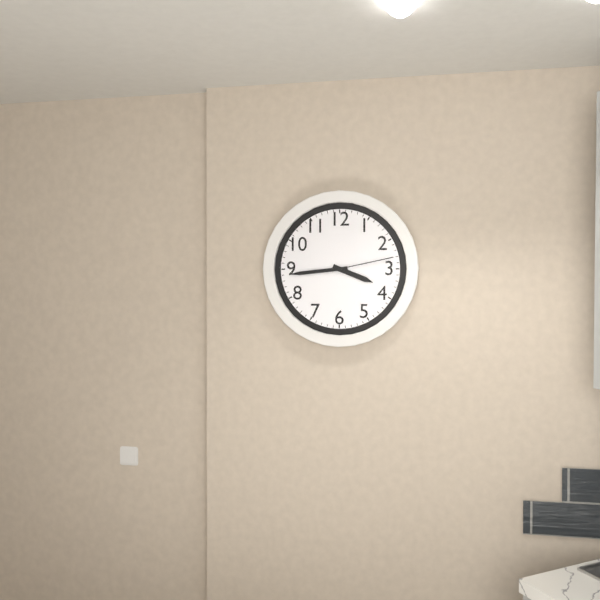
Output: **3:44:13**
